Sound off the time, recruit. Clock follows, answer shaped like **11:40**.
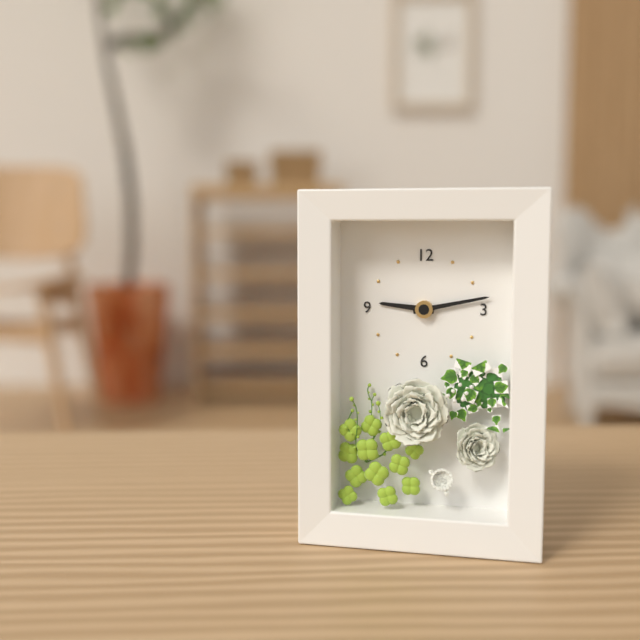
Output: **9:13**
